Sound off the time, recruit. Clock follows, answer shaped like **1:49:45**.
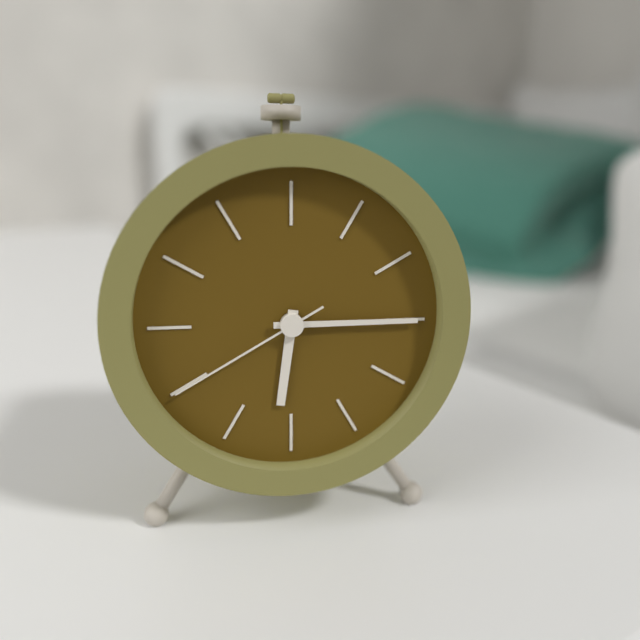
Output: **6:15:40**
